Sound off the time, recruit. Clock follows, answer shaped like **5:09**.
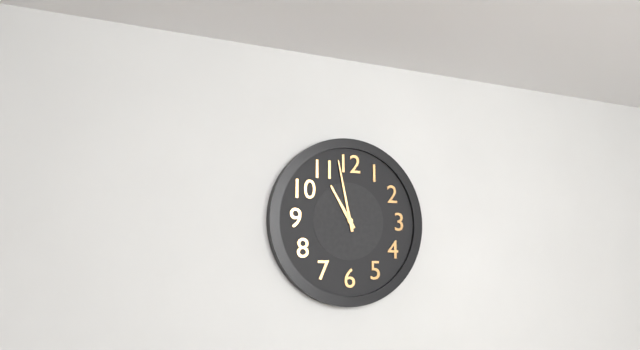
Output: **10:58**
